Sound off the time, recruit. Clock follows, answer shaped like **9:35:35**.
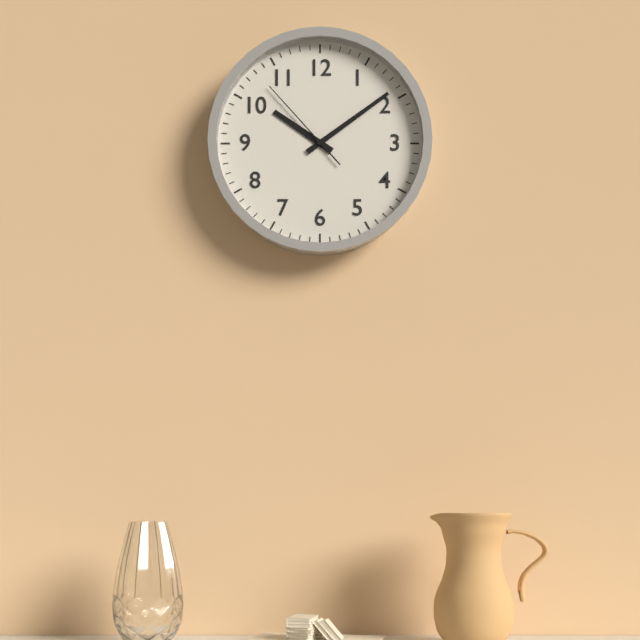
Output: **10:09:53**
